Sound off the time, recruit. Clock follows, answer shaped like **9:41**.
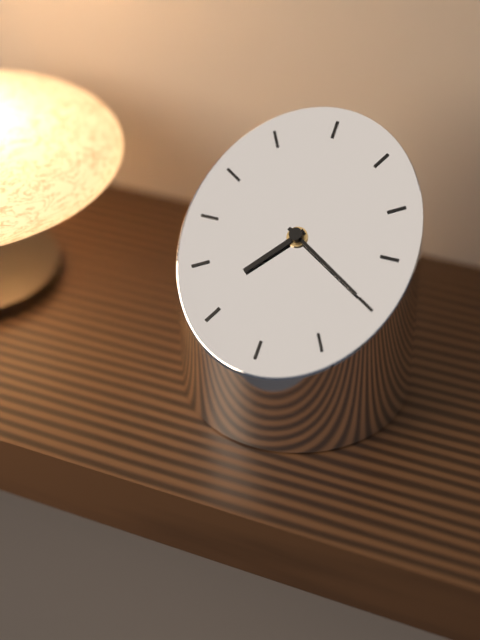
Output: **7:20**
